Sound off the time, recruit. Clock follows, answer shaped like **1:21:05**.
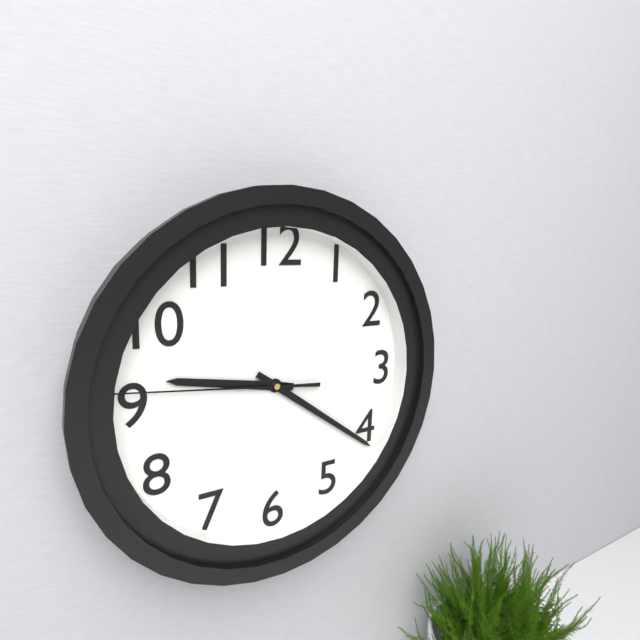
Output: **9:21:46**
